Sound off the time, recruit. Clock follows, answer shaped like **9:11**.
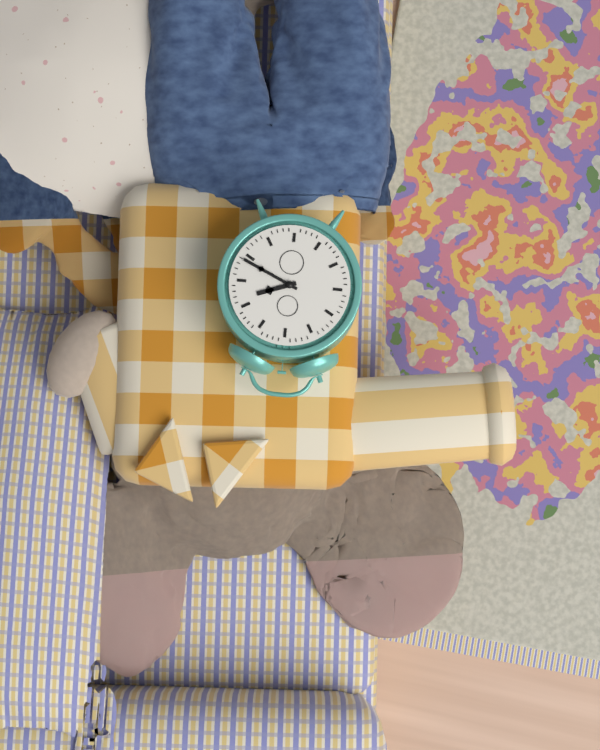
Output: **2:19**
